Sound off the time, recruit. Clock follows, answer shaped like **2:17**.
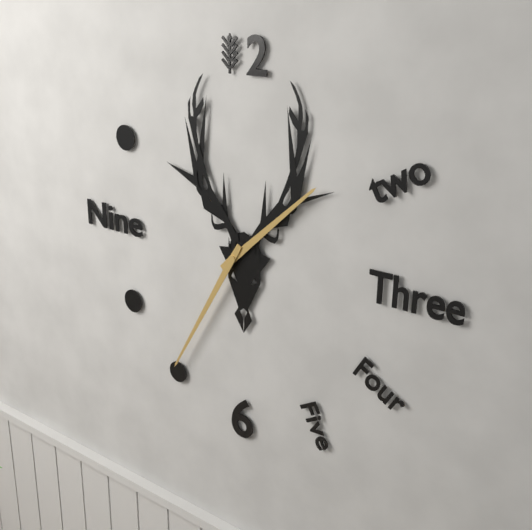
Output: **1:35**
